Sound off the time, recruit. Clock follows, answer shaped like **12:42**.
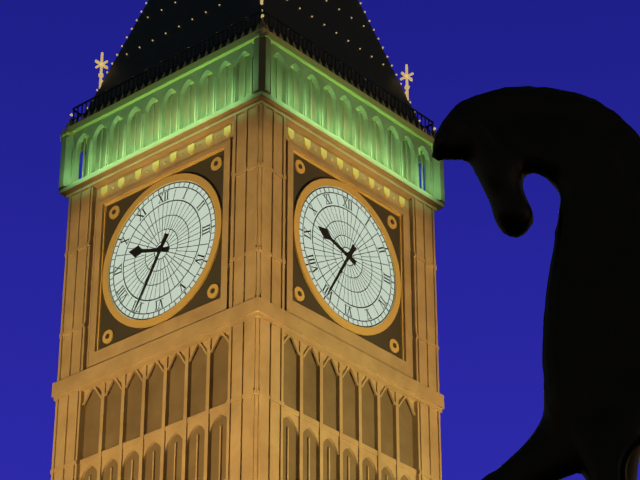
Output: **9:35**
